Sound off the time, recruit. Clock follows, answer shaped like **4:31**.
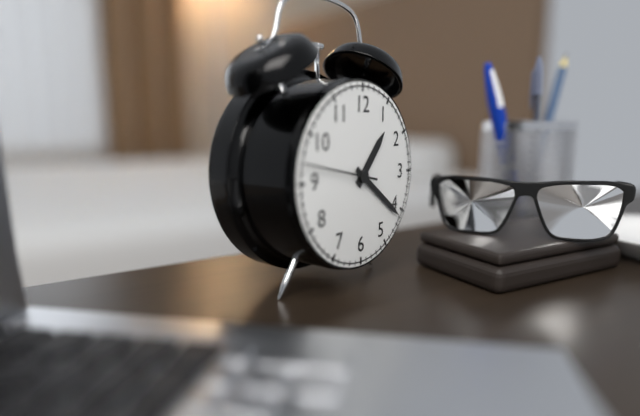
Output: **1:21**
